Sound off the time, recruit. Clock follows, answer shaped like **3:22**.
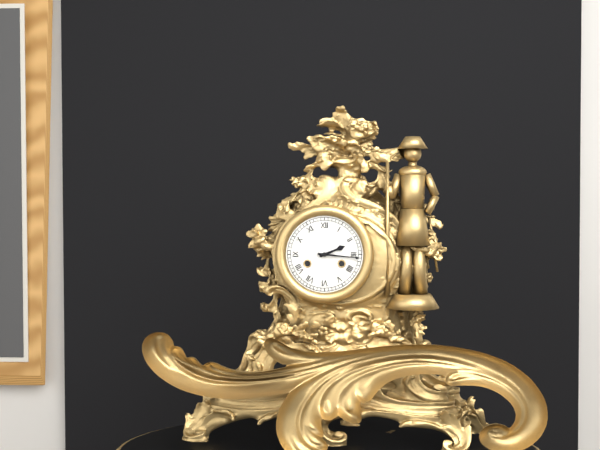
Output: **2:16**
